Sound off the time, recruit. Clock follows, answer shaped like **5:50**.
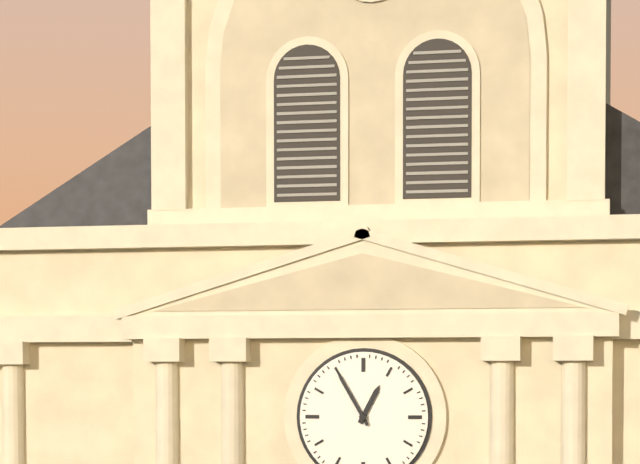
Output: **12:55**
